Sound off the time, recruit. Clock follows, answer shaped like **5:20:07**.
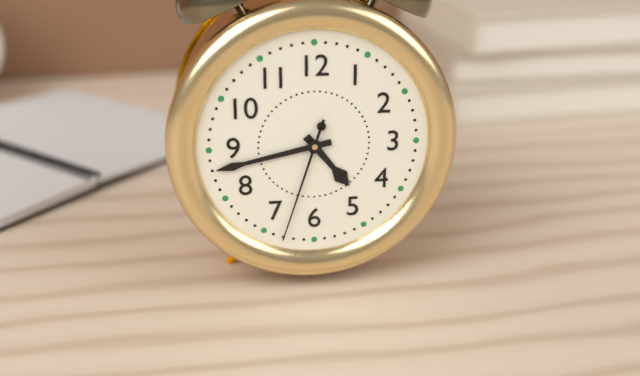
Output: **4:43:33**
